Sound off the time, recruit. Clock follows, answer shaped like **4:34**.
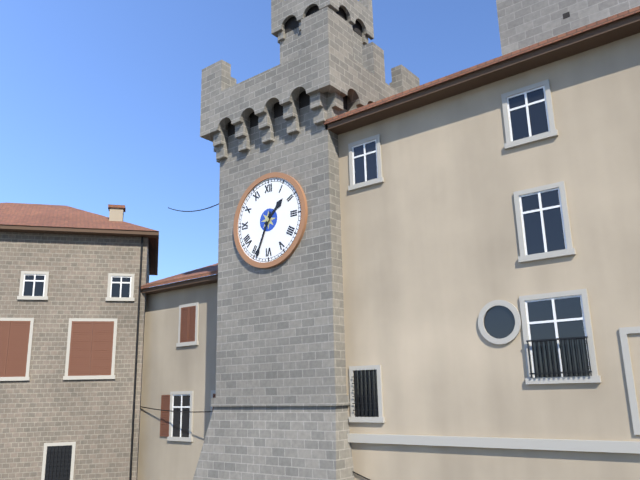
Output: **1:34**
